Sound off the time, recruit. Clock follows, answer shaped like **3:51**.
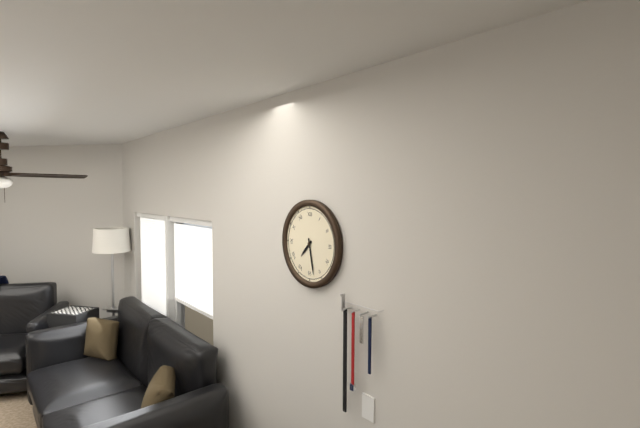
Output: **7:28**
